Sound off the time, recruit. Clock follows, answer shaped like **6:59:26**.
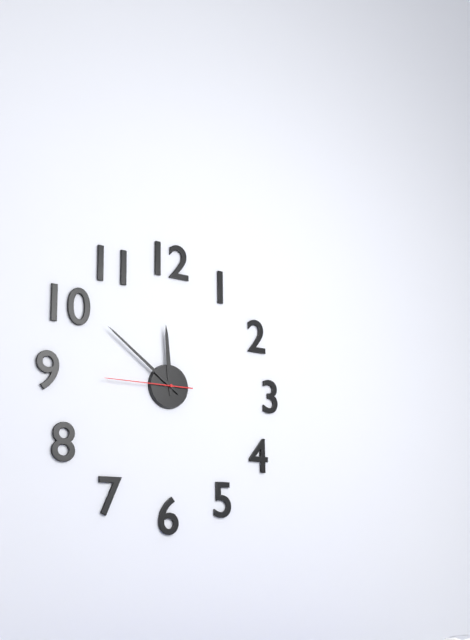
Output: **11:51:45**
